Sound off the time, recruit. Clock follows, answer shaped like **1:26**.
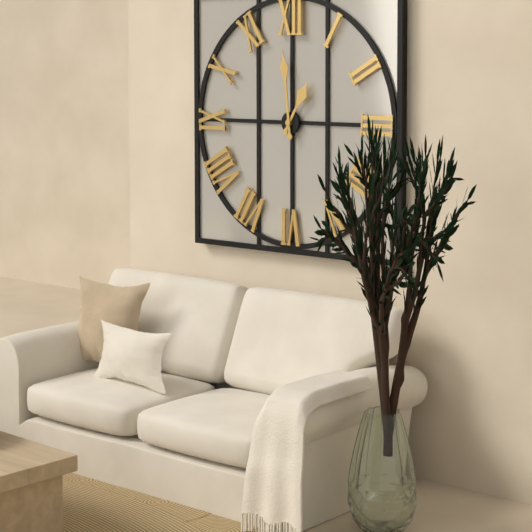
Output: **12:59**
